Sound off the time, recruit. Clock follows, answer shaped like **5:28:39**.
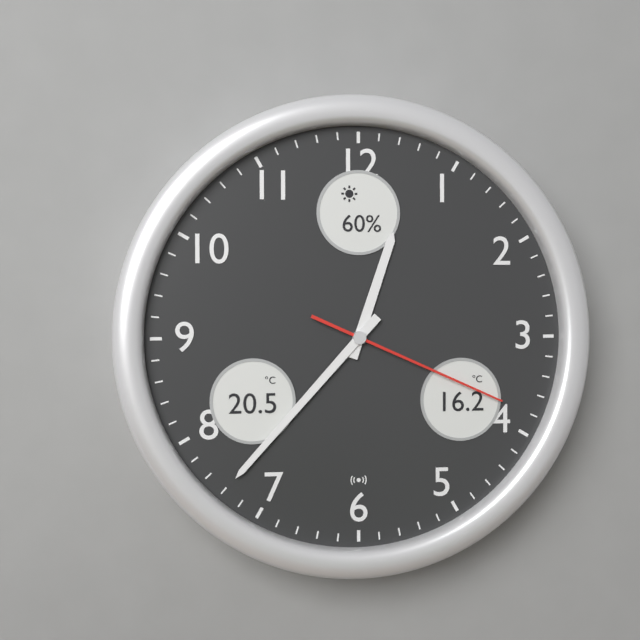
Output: **12:37:19**
